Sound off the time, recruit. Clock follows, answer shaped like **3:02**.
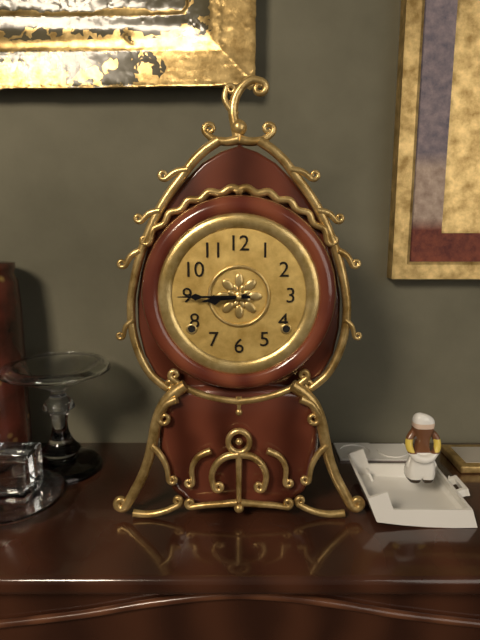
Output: **8:45**
